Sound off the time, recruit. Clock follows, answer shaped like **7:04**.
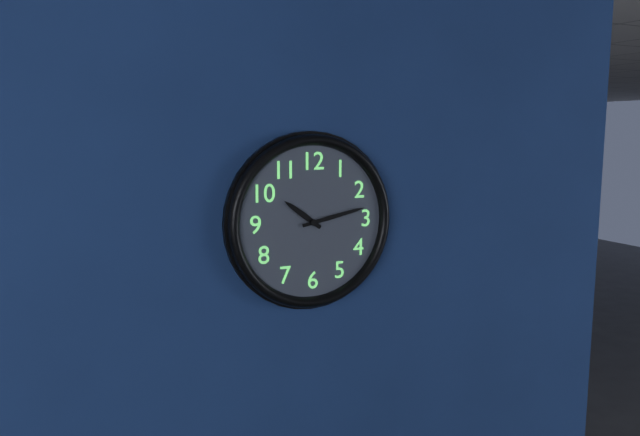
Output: **10:13**
